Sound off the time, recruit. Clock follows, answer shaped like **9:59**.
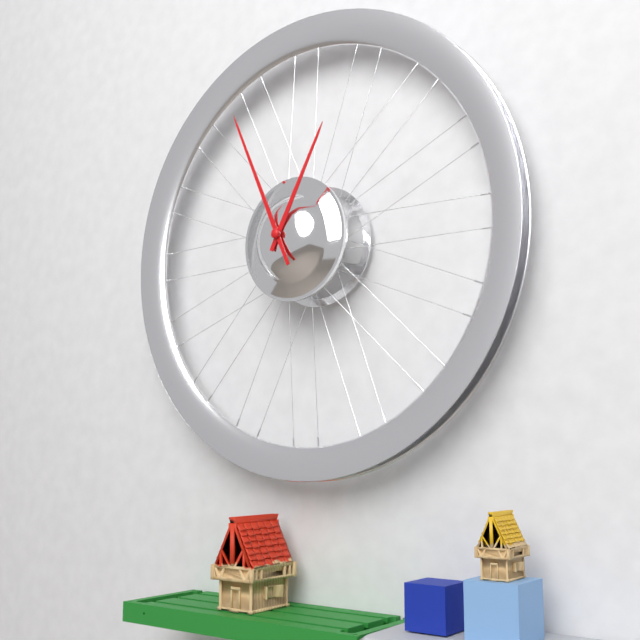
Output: **12:56**
